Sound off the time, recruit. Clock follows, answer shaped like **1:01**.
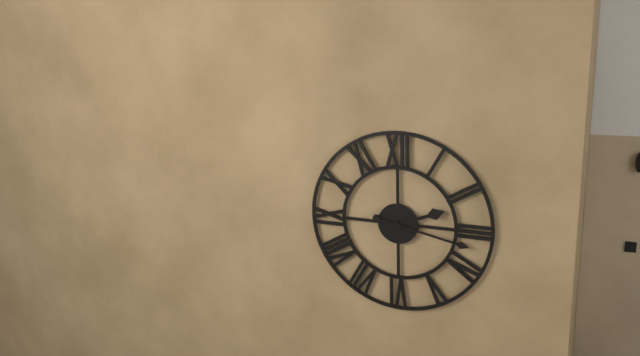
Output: **2:17**
